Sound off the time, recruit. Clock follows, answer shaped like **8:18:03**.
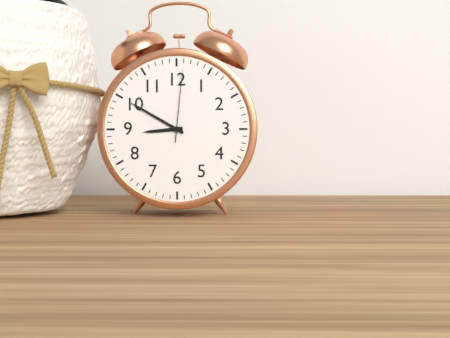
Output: **8:50:01**
